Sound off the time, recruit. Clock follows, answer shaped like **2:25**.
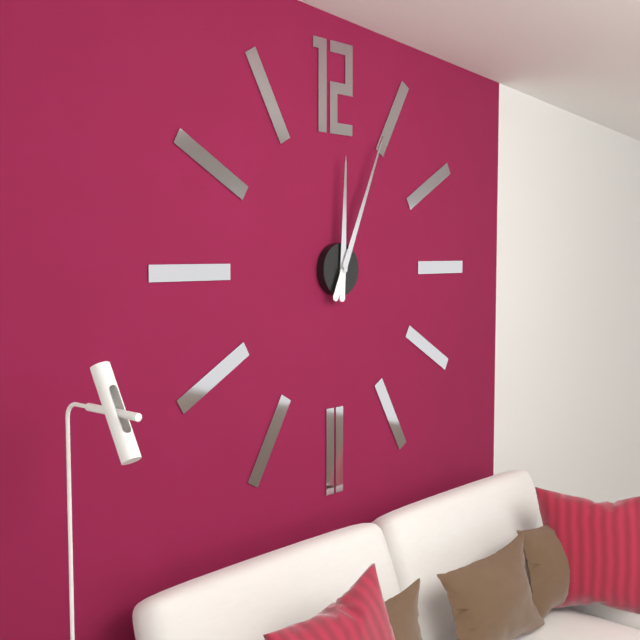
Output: **12:04**
